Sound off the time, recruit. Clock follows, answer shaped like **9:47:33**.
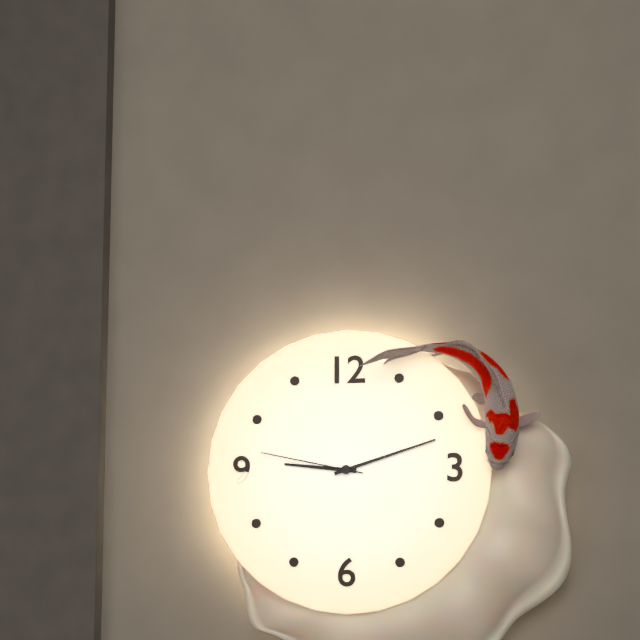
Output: **9:12:47**
